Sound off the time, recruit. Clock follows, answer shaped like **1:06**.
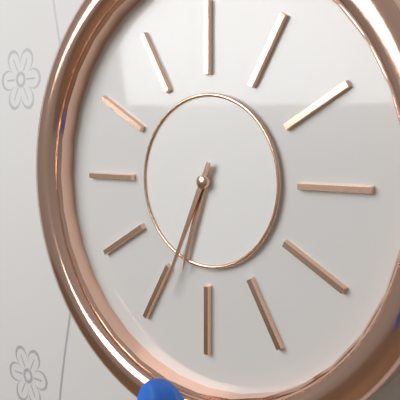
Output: **6:34**
